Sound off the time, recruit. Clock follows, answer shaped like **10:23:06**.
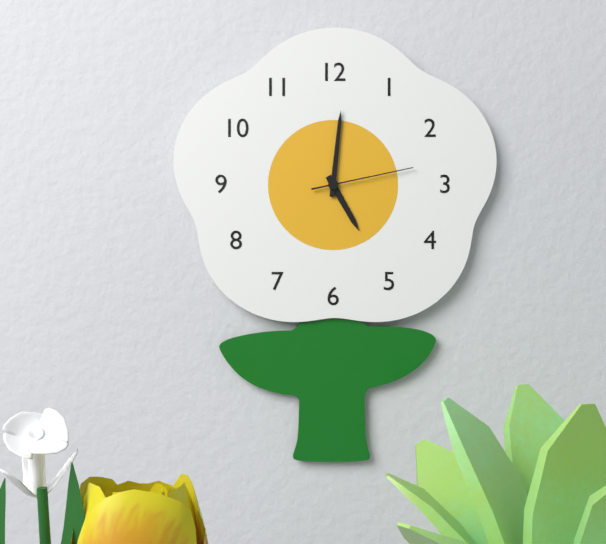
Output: **5:01:13**
